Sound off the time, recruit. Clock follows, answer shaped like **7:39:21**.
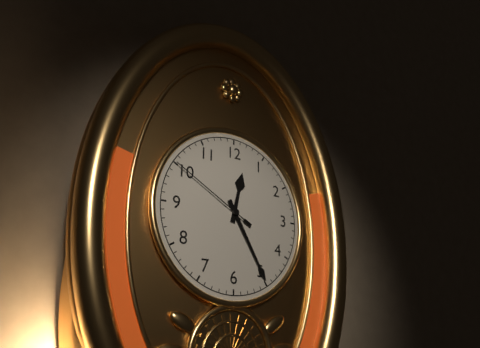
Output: **12:25:50**
